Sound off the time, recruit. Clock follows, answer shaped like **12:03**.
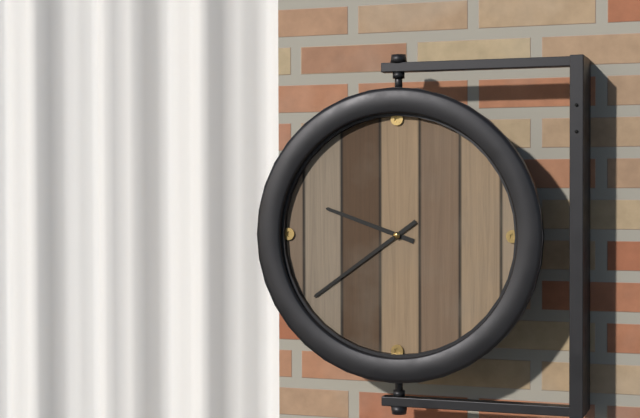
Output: **9:39**
